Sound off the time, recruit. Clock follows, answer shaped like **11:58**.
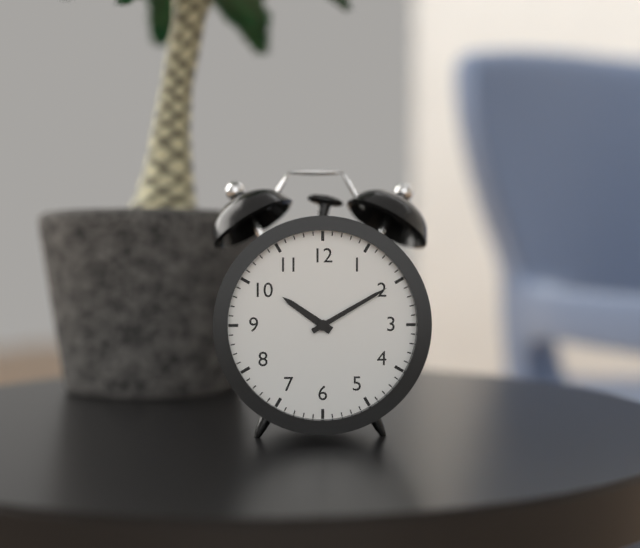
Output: **10:10**
